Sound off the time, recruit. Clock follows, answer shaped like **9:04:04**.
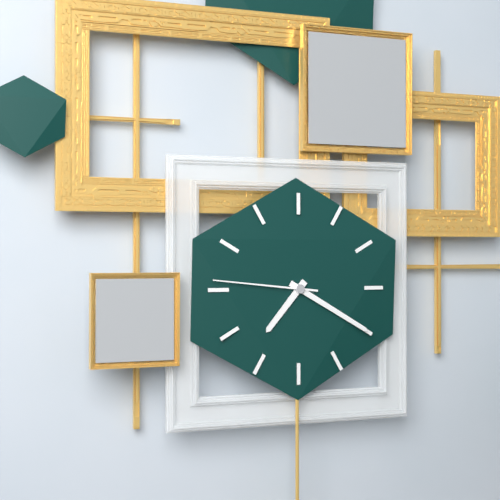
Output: **7:20:46**
